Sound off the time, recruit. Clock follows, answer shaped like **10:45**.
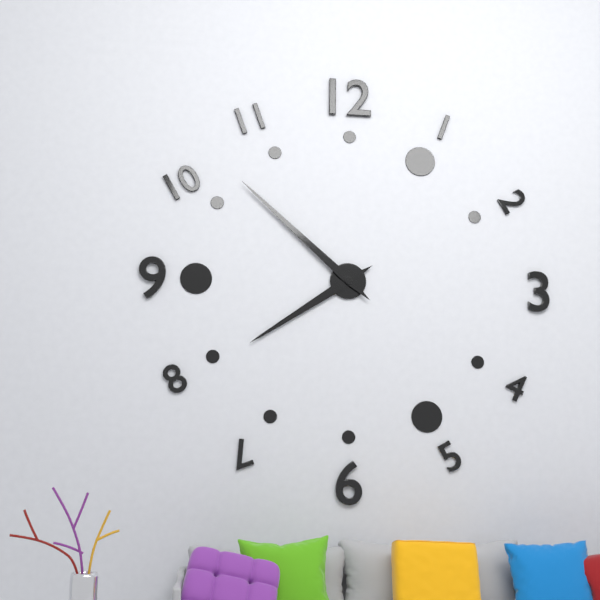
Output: **7:52**
